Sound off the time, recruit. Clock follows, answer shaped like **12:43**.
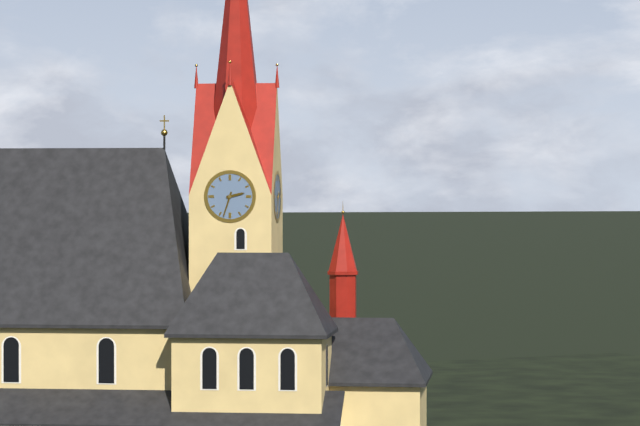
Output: **2:33**
